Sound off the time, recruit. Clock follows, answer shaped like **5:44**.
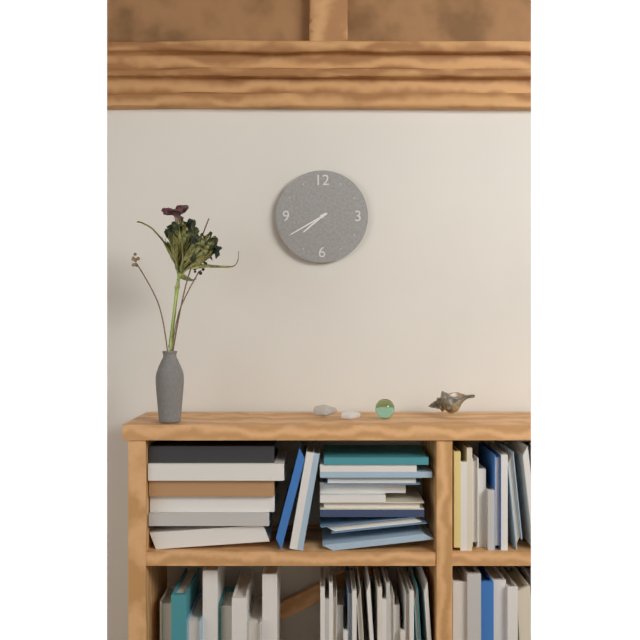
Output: **7:40**
